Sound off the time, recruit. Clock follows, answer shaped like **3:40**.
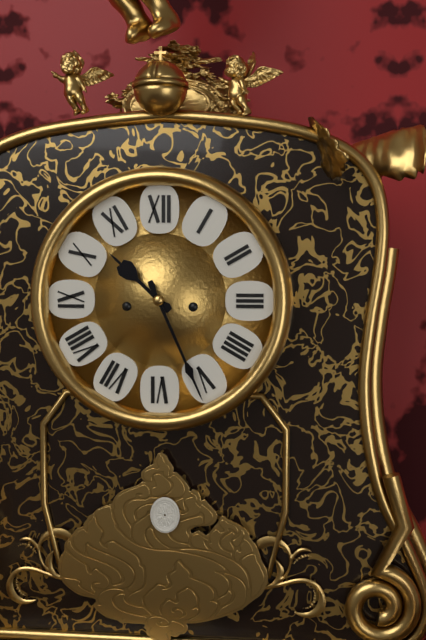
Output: **10:26**
